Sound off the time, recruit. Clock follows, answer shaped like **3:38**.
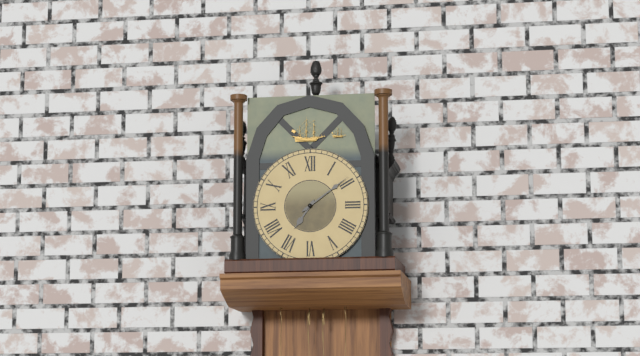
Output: **7:09**
